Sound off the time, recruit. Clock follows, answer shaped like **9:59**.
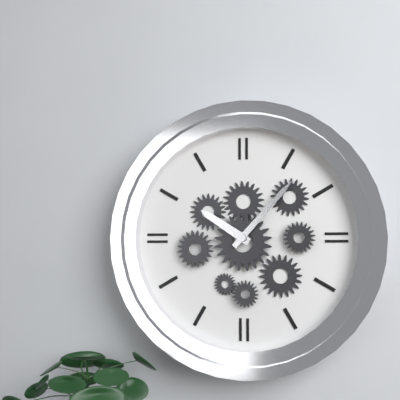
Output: **10:07**
